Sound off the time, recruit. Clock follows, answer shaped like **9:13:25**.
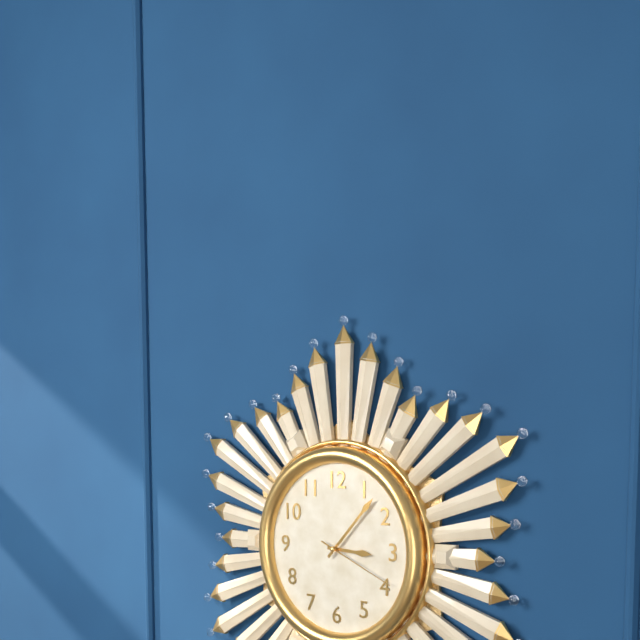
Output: **3:07:19**
